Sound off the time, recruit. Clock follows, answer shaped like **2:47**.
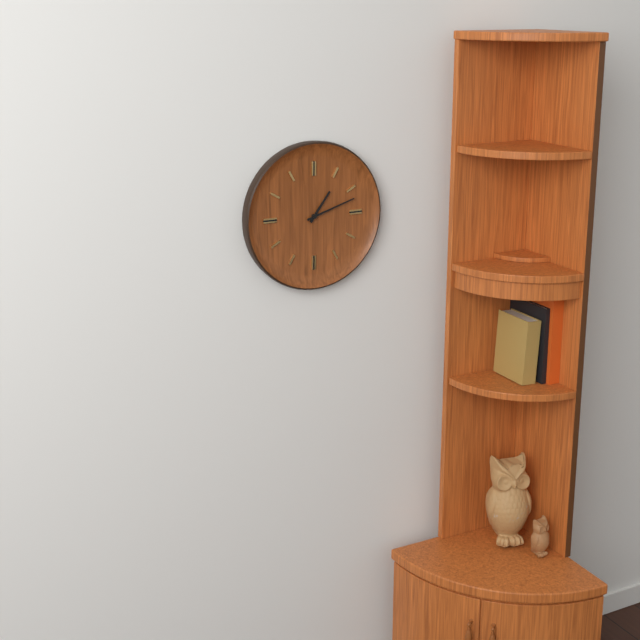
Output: **1:12**
